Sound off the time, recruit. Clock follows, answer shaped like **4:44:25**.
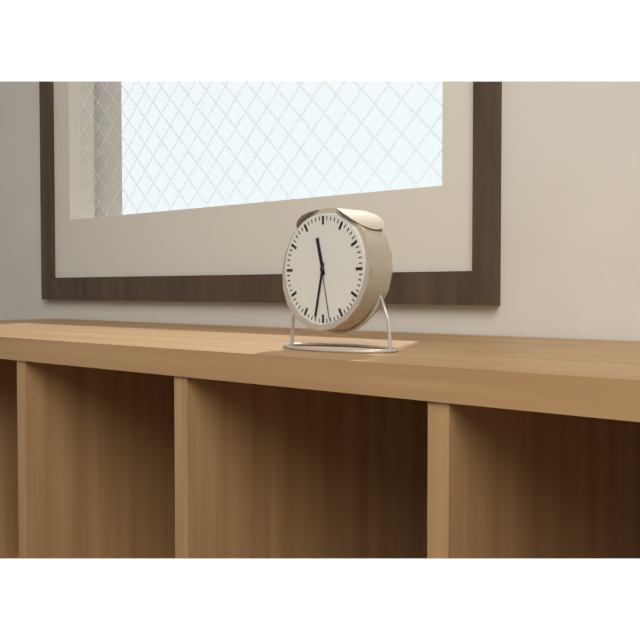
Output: **11:32:28**
